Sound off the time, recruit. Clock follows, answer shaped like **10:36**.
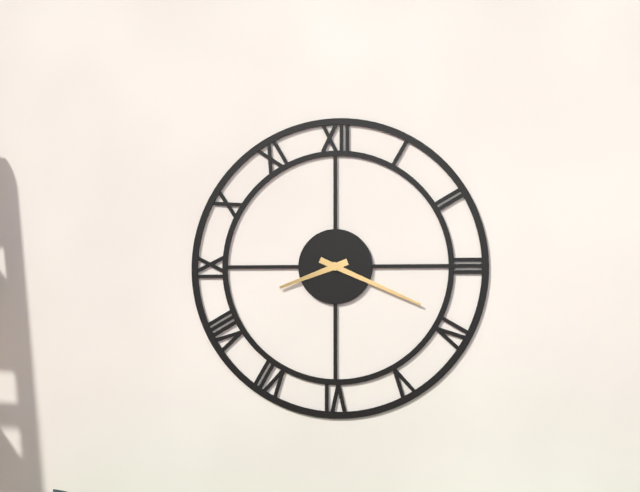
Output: **8:19**
